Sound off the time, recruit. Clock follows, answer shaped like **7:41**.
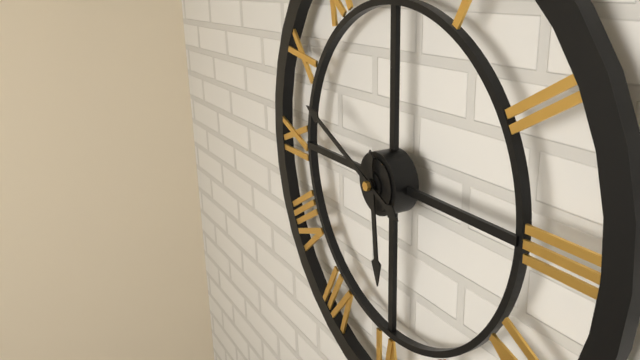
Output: **5:49**
